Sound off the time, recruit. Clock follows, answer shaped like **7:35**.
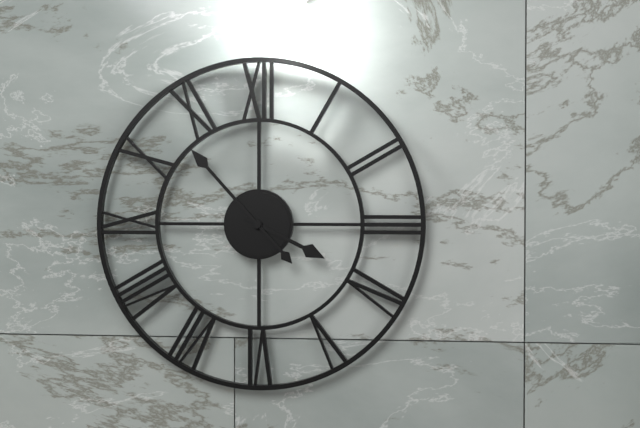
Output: **3:53**
